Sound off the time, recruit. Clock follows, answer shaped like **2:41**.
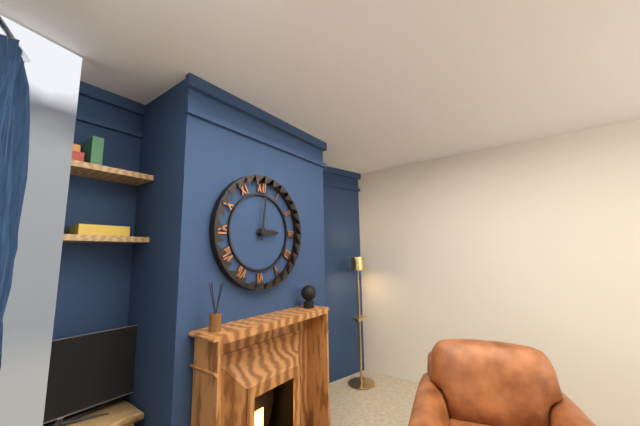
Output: **3:01**
